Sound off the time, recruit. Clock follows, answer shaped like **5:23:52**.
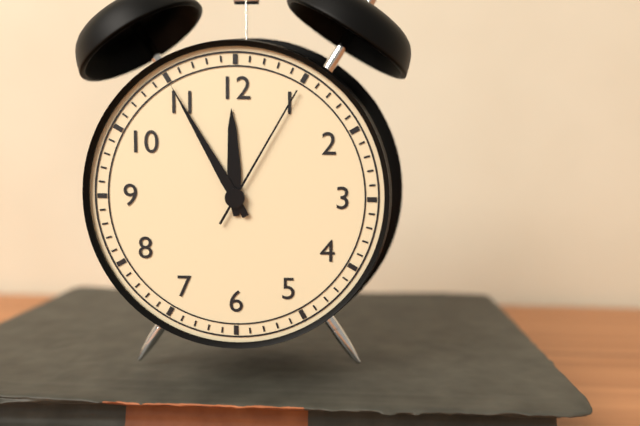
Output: **11:55:05**
